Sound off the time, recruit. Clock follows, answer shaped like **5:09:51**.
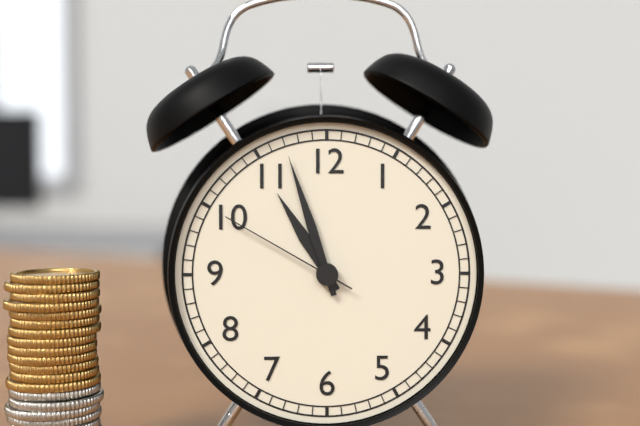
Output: **10:57:50**
